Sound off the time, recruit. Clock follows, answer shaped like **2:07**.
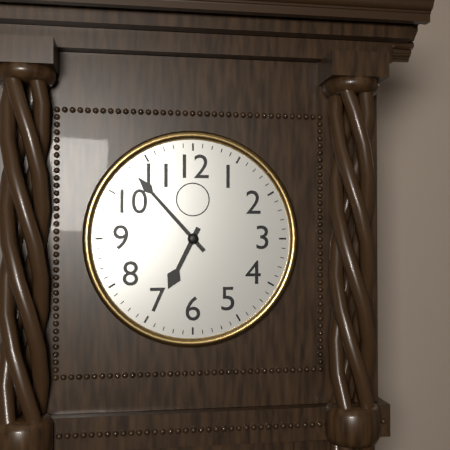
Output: **6:53**
